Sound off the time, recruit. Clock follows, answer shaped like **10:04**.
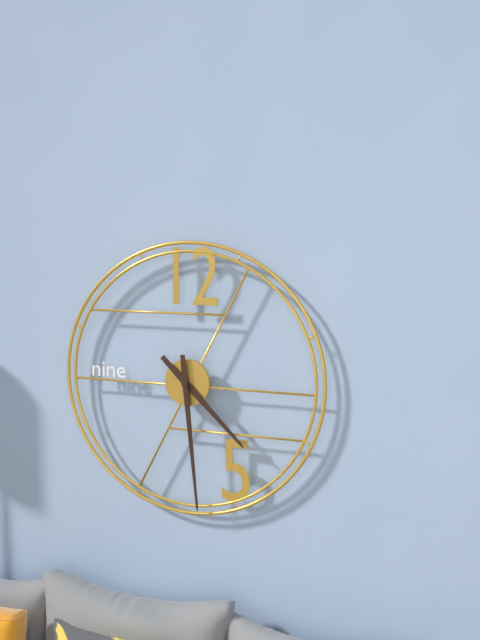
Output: **4:29**
